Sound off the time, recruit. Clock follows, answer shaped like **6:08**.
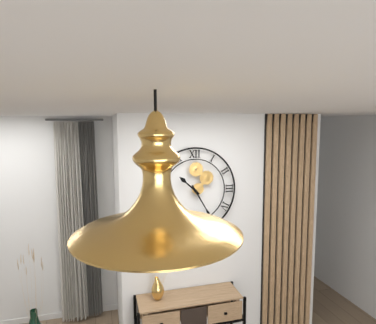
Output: **10:25**
